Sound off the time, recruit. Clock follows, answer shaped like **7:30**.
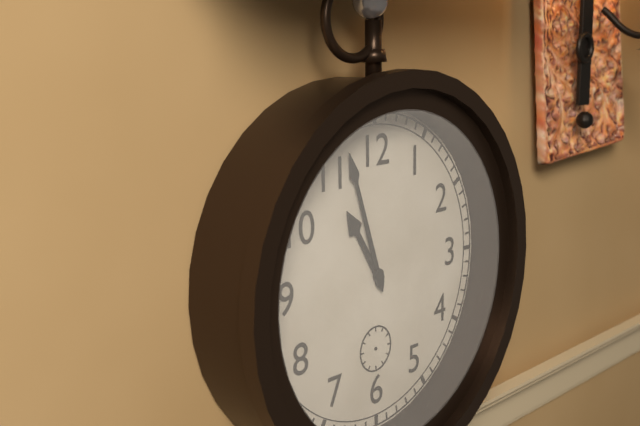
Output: **10:57**
